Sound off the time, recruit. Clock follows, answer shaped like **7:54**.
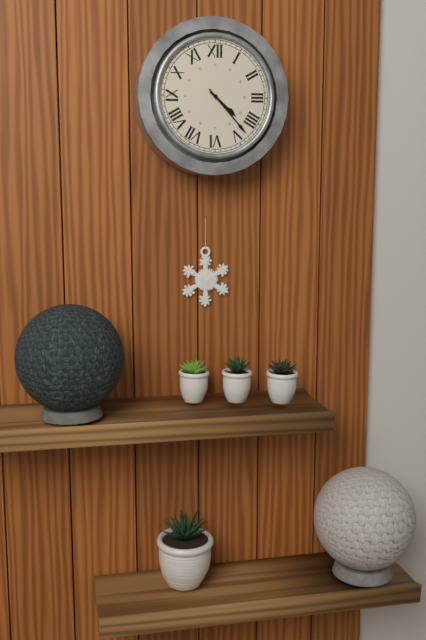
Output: **4:23**
